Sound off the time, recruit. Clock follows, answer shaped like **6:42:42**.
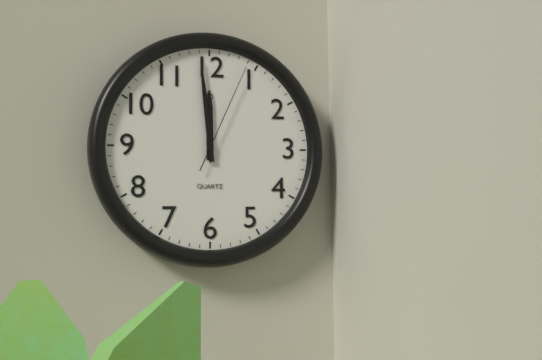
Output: **11:59:04**
